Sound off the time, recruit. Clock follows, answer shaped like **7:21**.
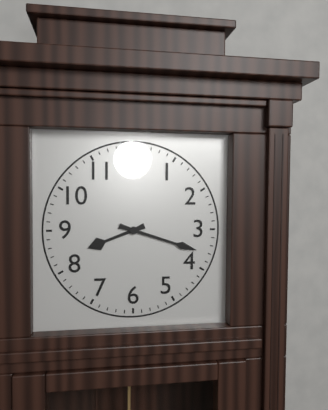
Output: **8:18**
